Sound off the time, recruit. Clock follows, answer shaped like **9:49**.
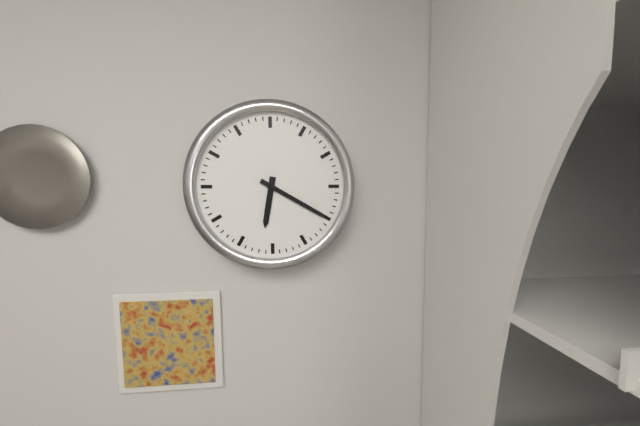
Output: **6:20**
